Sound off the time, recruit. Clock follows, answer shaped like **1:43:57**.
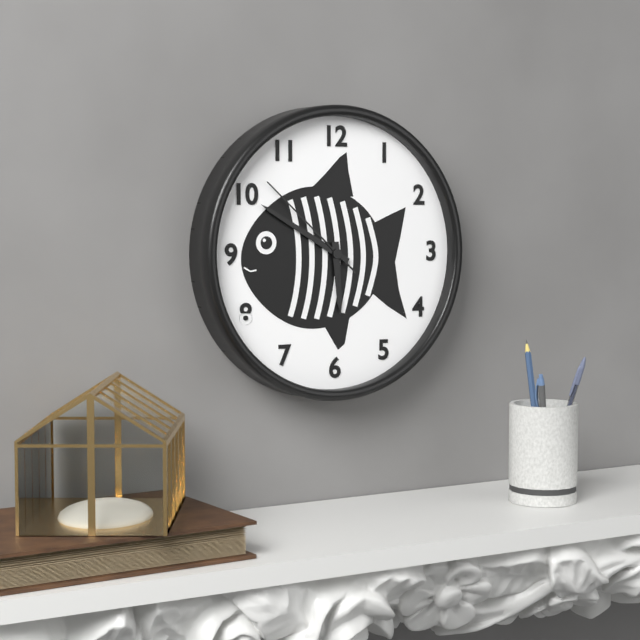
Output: **5:50:52**
